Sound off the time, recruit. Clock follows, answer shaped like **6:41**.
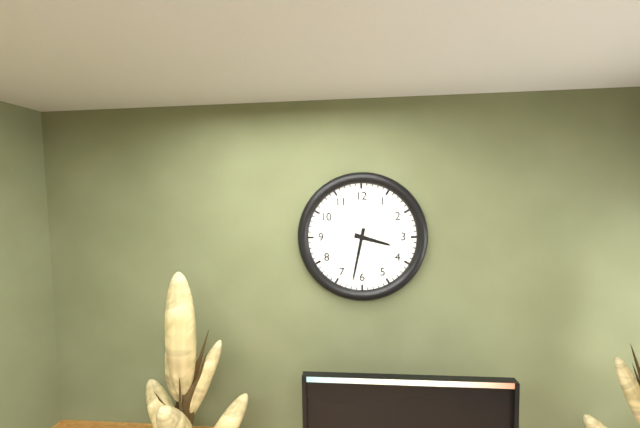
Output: **3:32**
